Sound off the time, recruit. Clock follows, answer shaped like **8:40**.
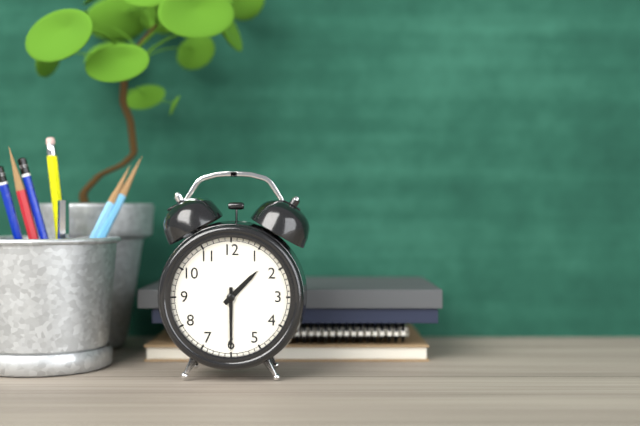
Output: **1:30**
